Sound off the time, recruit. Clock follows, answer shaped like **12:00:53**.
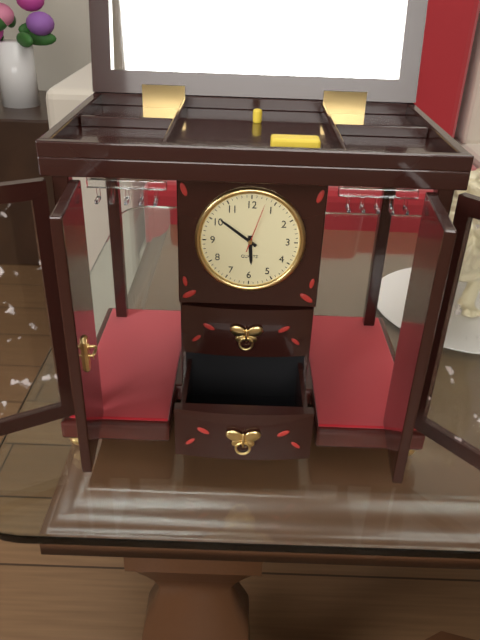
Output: **5:51:03**
